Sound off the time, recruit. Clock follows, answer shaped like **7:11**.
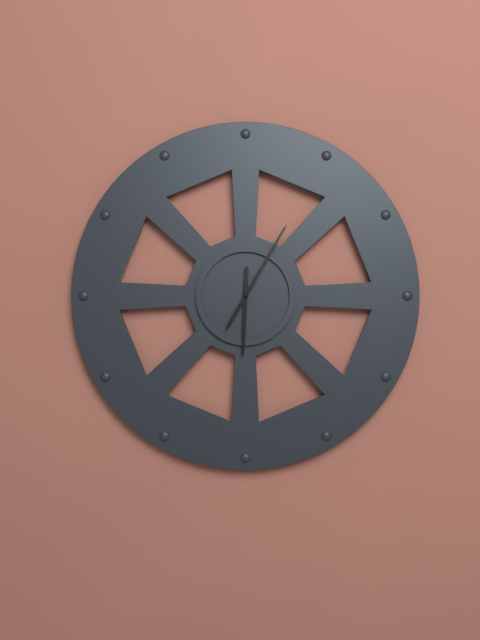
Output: **6:05**
